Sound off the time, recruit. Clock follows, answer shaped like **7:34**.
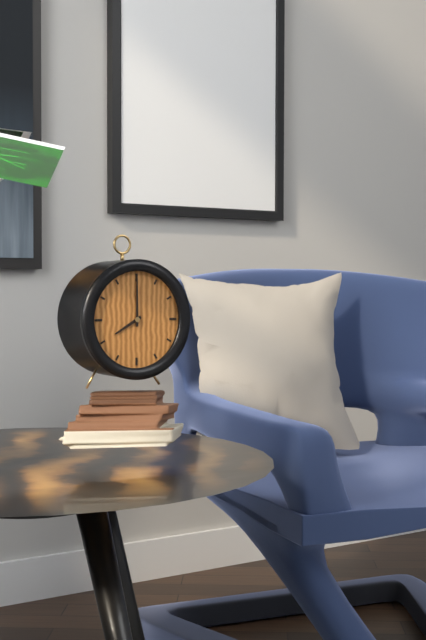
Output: **8:00**
